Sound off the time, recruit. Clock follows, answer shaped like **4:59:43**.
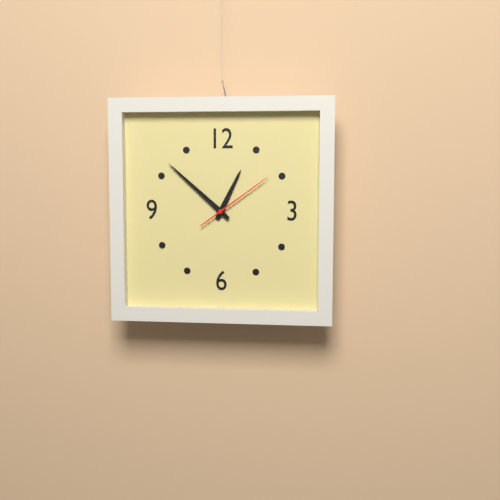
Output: **12:52:09**
